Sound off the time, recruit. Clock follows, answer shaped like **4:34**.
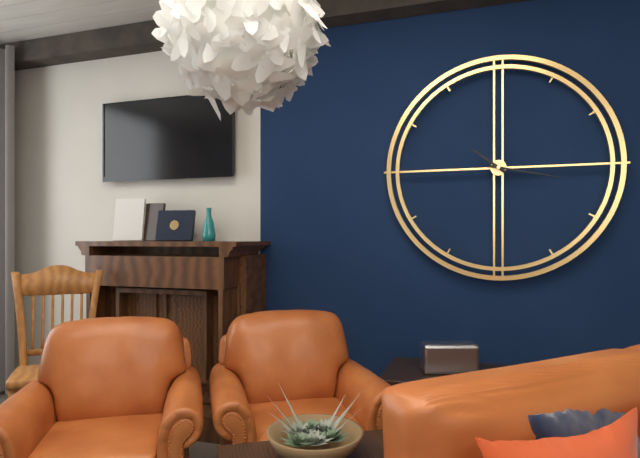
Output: **10:17**
